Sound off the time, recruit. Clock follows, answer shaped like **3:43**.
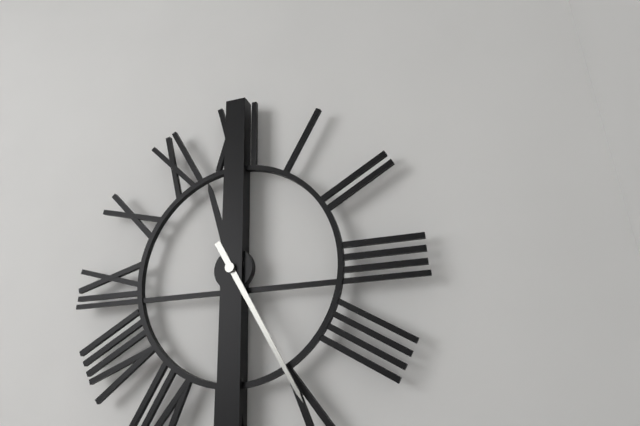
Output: **11:25**
